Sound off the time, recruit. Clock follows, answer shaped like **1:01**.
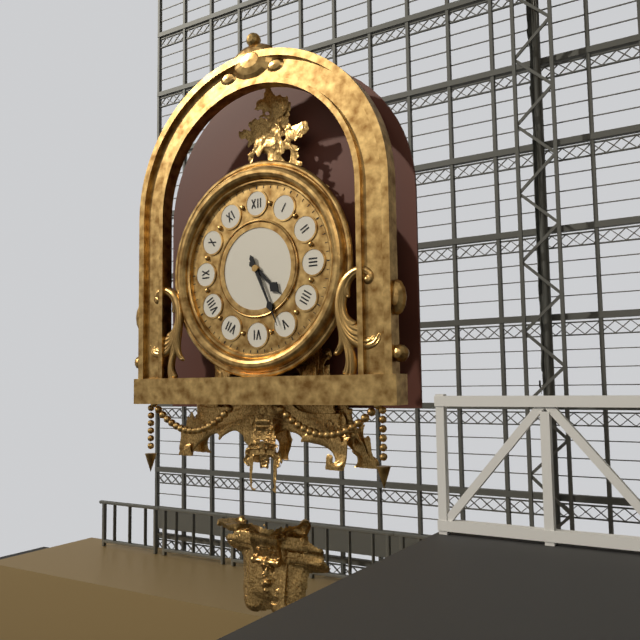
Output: **4:26**
